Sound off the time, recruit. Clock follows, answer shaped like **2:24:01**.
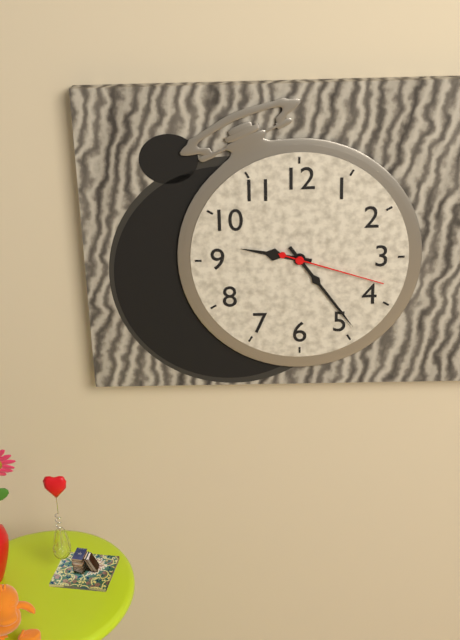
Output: **9:24:18**
